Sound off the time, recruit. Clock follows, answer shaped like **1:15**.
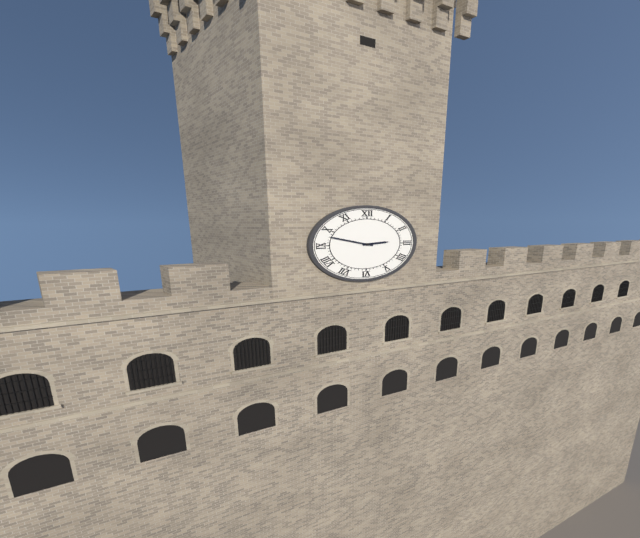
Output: **2:48**
